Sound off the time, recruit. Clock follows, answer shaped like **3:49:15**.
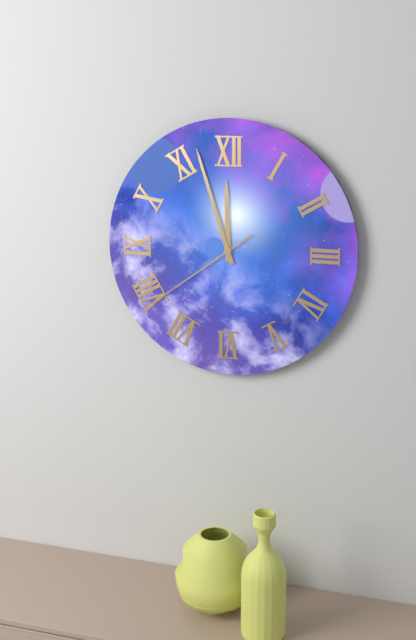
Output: **11:57:39**
